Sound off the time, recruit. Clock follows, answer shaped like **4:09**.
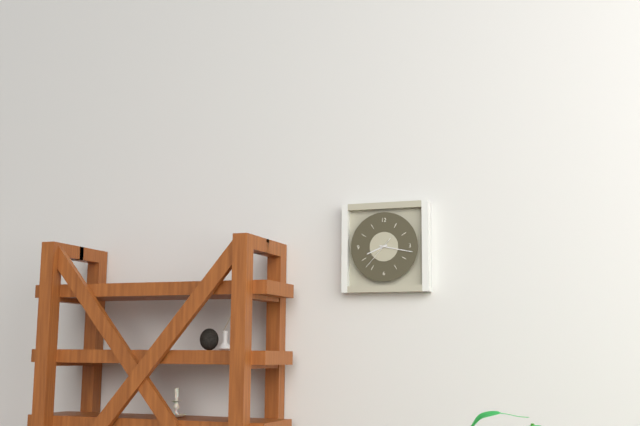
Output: **8:17**
